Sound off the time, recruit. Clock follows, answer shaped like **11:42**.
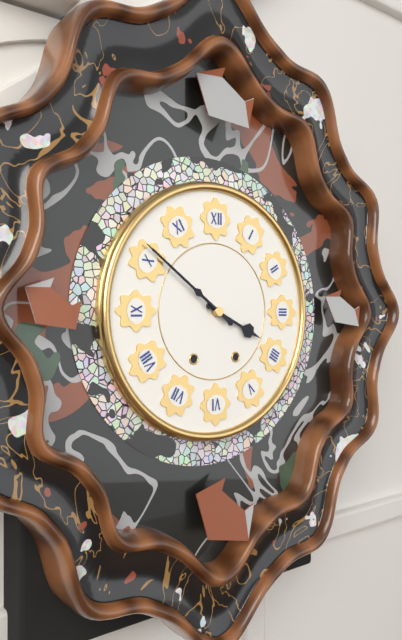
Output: **3:51**
